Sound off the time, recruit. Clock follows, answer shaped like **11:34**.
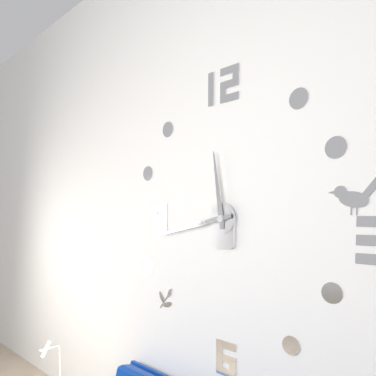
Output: **11:43**
